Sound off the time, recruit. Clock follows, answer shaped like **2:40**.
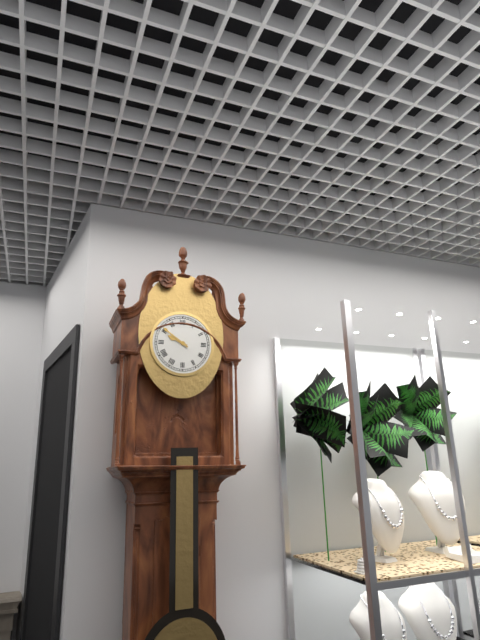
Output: **9:51**
